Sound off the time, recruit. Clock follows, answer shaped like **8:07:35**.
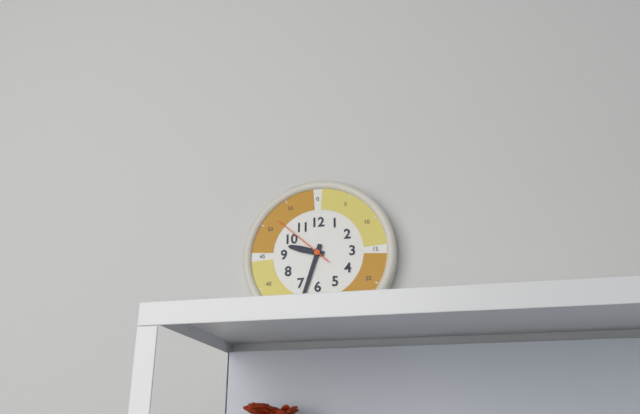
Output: **9:33:52**
